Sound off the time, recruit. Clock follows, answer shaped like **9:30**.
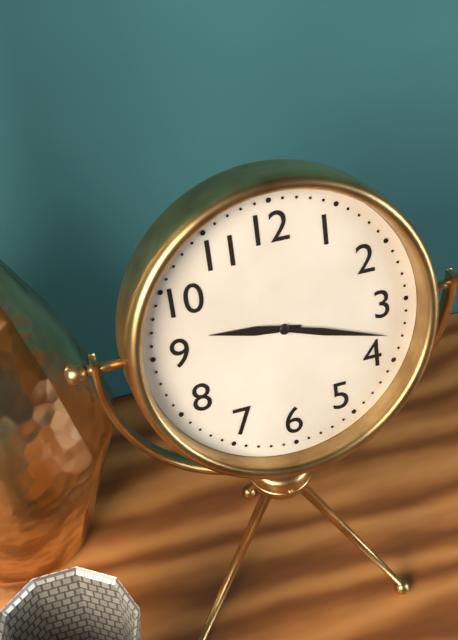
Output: **9:18**
